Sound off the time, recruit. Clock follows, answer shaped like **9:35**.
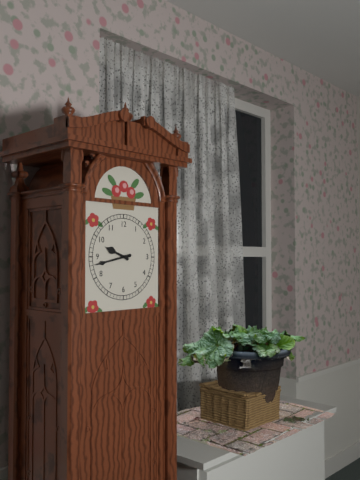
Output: **9:43**
